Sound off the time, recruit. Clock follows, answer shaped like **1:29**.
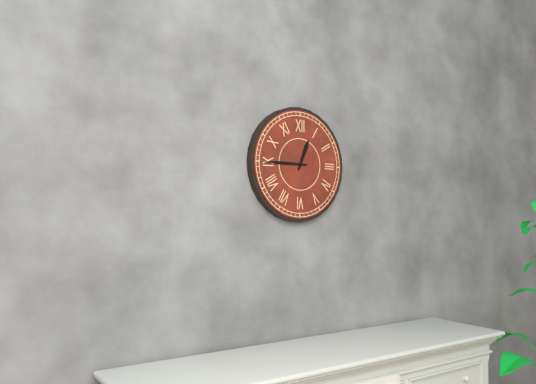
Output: **12:45**
